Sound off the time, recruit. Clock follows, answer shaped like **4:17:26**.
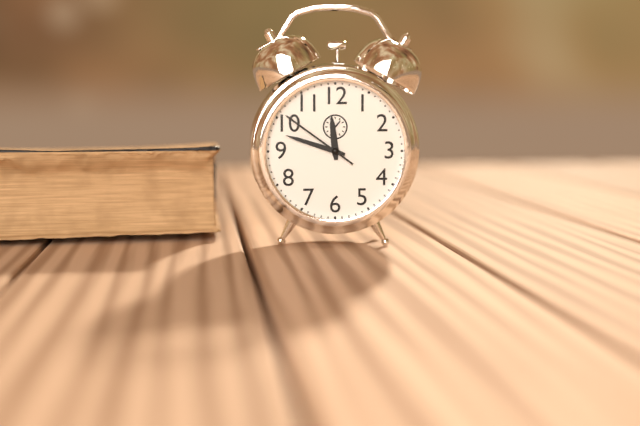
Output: **11:48:51**
